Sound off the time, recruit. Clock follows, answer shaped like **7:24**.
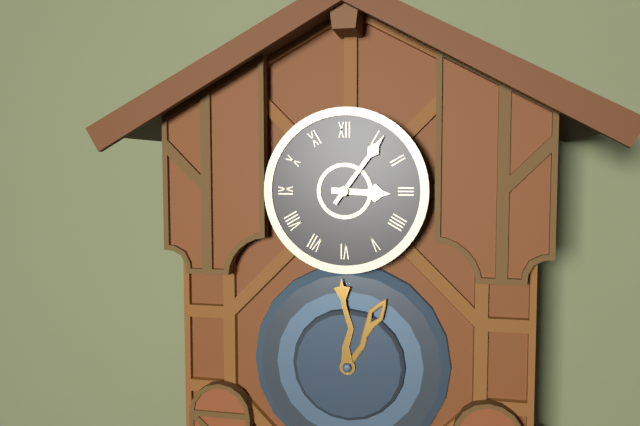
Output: **3:06**
